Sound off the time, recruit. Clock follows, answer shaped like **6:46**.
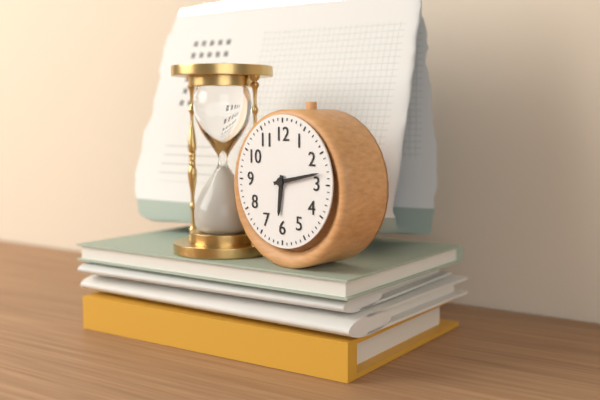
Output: **6:13**
